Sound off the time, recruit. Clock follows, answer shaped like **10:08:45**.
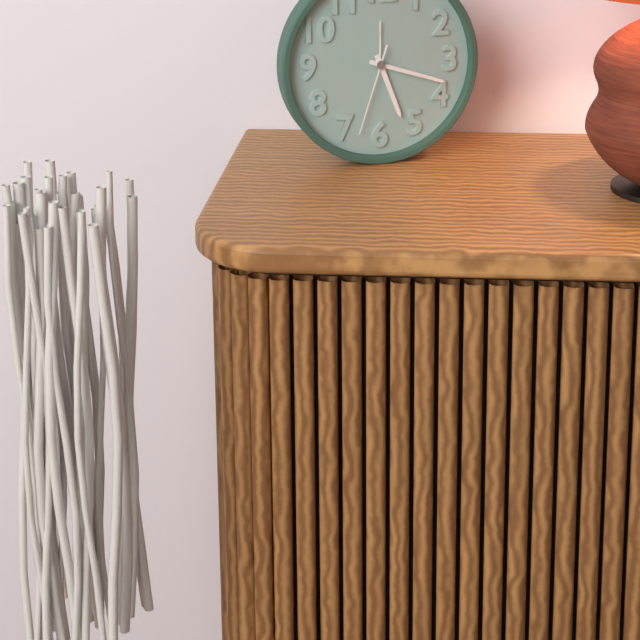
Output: **5:18:33**
